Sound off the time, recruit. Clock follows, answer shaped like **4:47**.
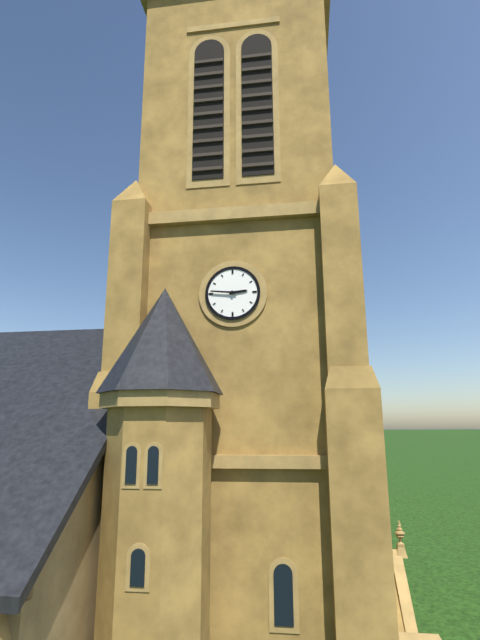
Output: **2:46**
